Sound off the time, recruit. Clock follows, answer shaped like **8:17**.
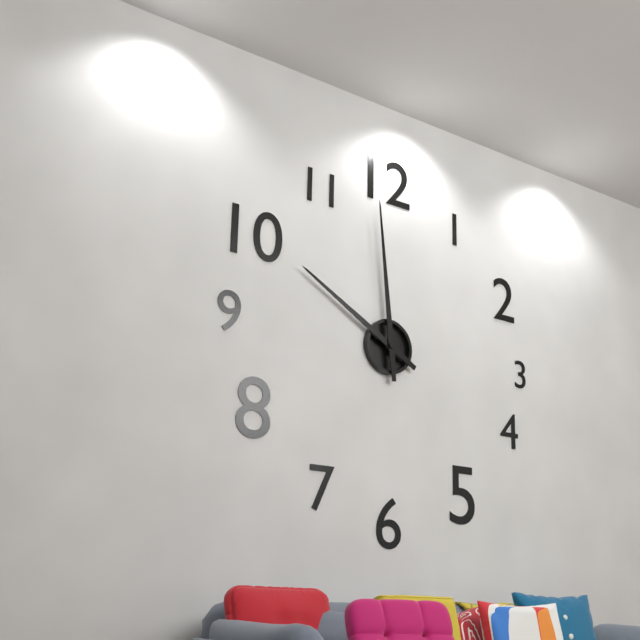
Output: **9:59**
